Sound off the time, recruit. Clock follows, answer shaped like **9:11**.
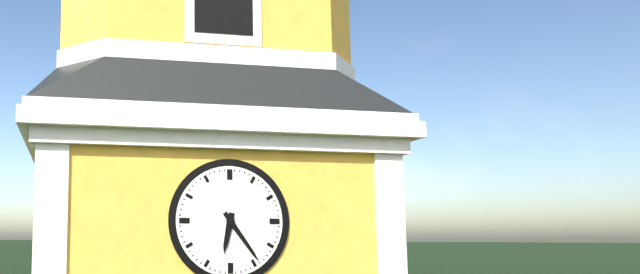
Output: **6:24**
